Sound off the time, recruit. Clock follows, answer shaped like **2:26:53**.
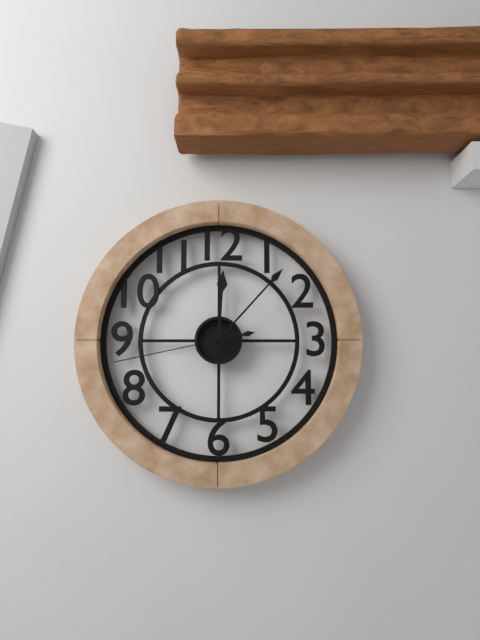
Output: **12:07:43**
